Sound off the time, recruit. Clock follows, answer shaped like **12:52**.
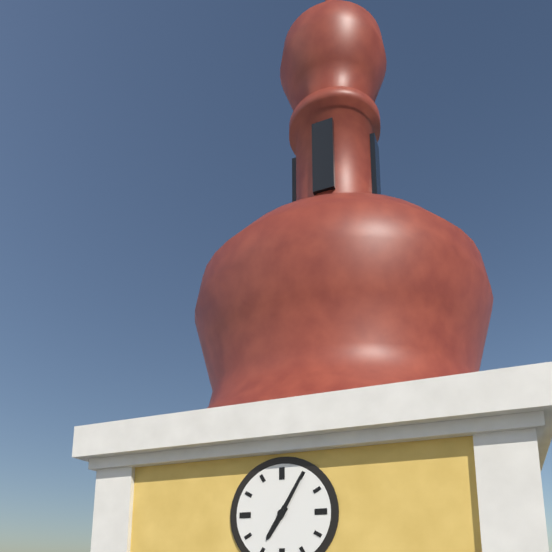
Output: **7:05**
